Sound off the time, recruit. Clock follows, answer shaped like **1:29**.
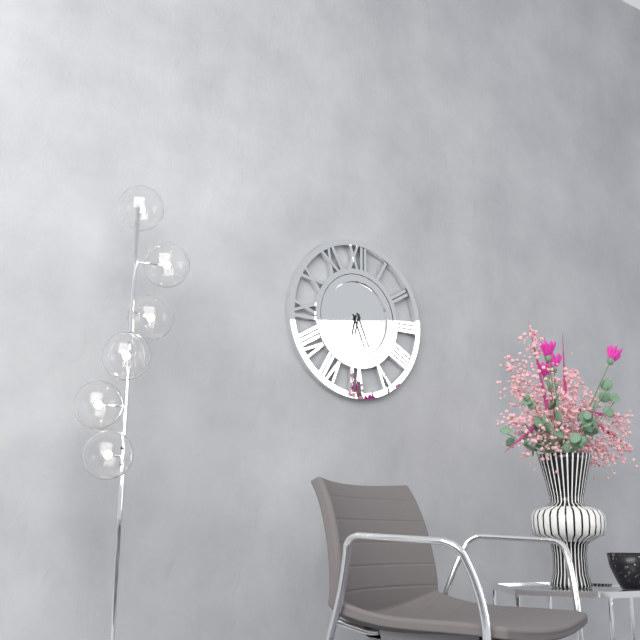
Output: **6:26**
